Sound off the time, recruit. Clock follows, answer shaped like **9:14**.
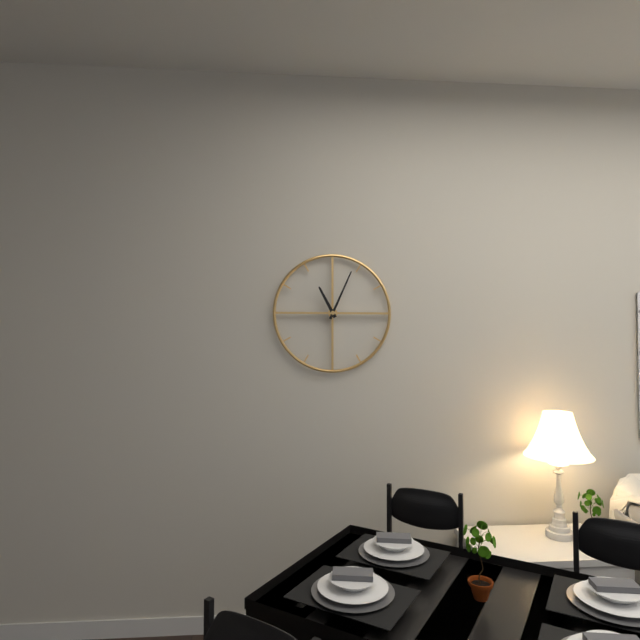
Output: **11:04**
